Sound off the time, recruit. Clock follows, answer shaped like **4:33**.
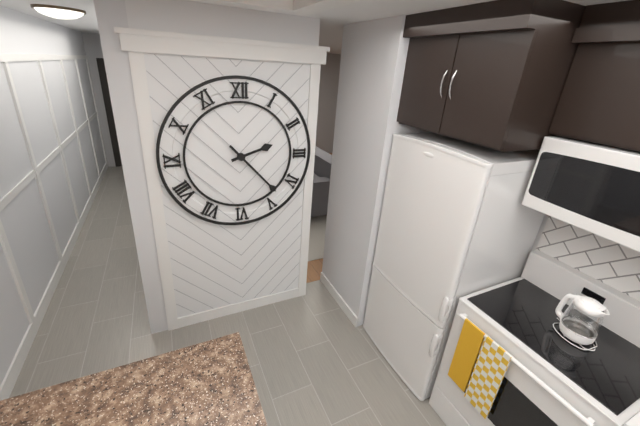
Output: **2:23**
